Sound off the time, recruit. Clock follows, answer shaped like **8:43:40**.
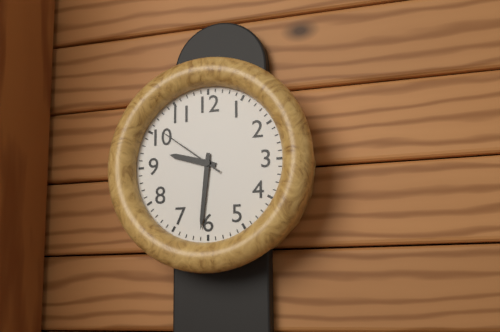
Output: **9:31:51**
